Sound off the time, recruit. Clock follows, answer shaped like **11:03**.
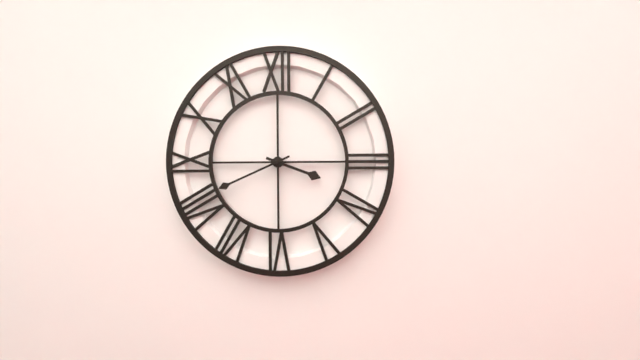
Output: **3:41**
